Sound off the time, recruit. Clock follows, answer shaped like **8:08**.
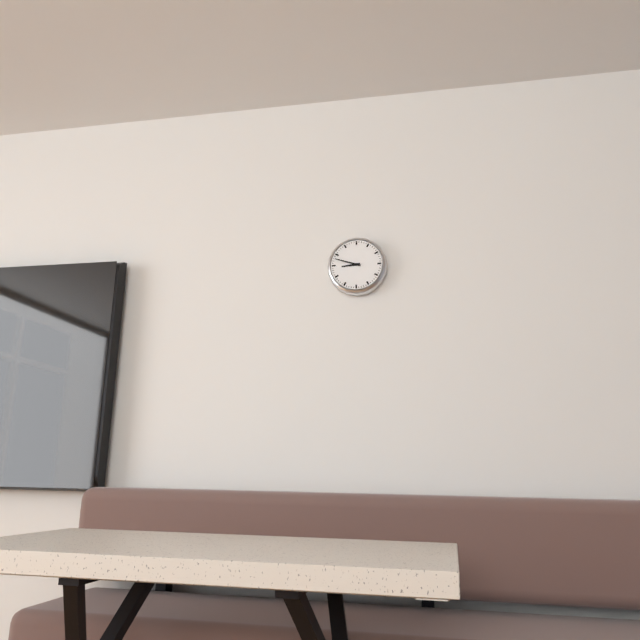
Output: **8:48**
